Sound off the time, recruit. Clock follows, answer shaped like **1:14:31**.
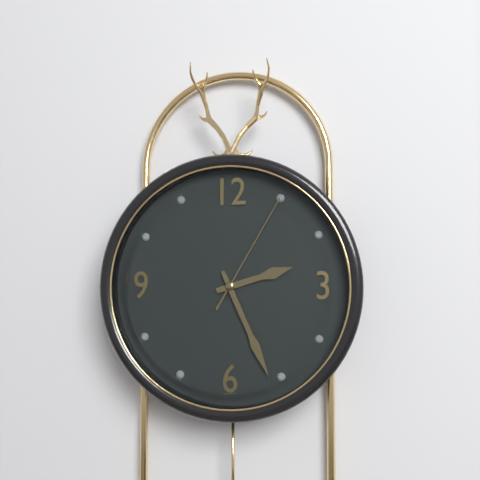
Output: **2:26:05**
